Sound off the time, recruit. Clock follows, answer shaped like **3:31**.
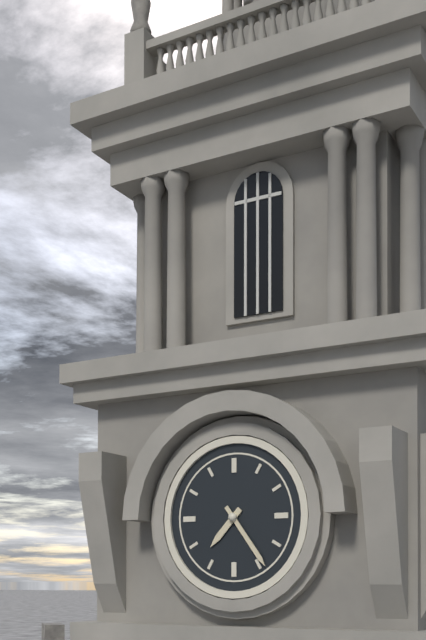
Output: **7:24**
